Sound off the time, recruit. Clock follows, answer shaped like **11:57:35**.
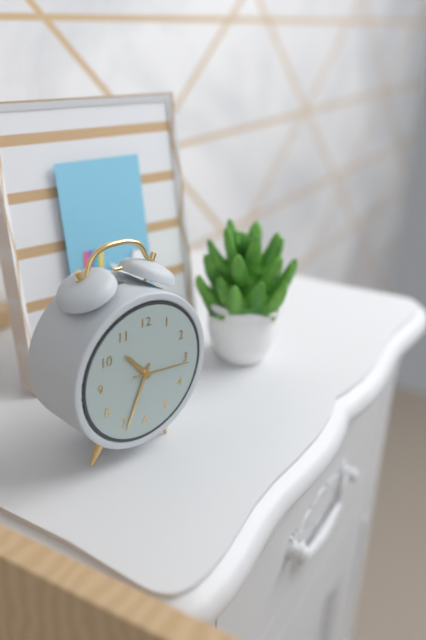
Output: **10:34:16**
